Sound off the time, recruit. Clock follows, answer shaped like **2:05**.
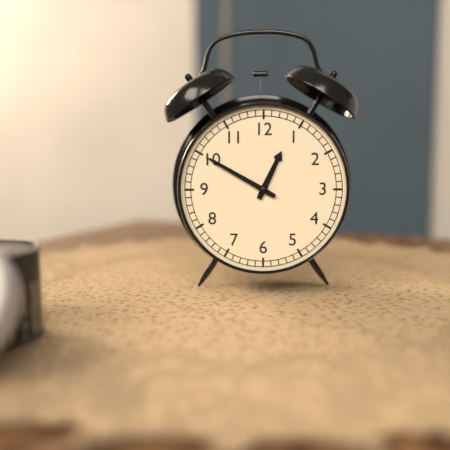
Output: **12:50**
